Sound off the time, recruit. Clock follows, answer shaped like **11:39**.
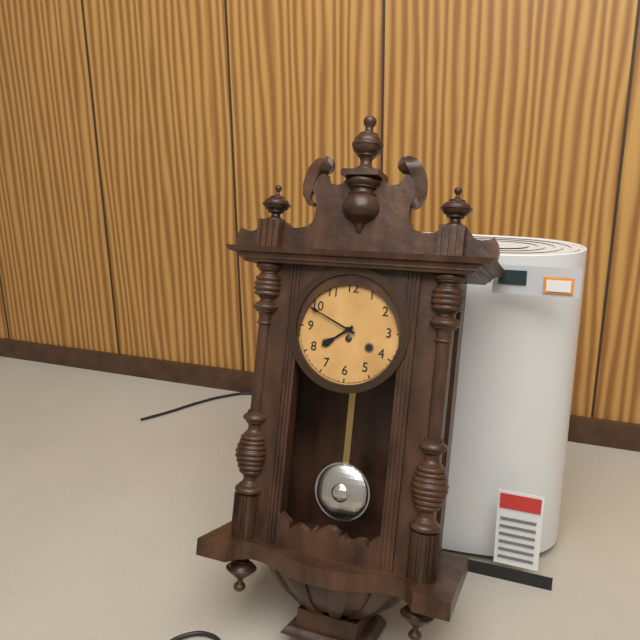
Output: **7:49**
